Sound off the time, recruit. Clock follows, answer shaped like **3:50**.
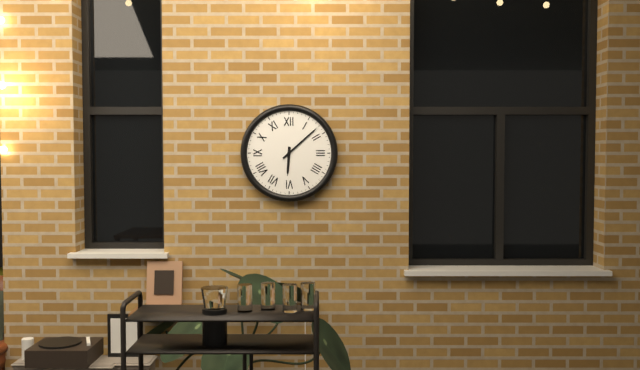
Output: **6:08**
